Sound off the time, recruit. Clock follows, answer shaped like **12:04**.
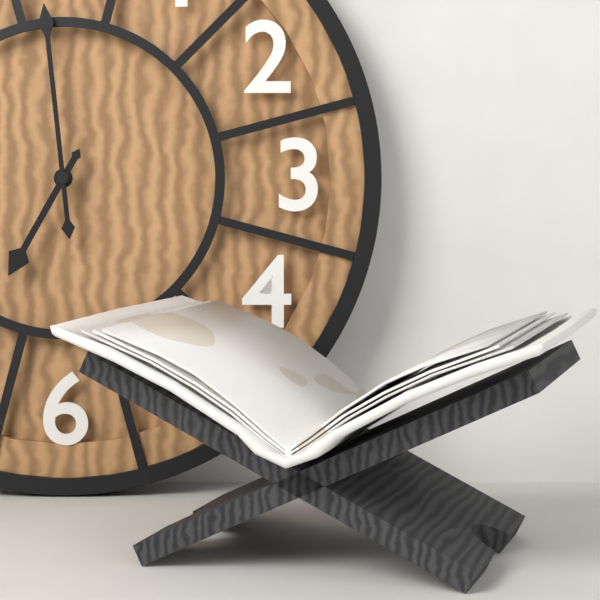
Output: **6:59**
